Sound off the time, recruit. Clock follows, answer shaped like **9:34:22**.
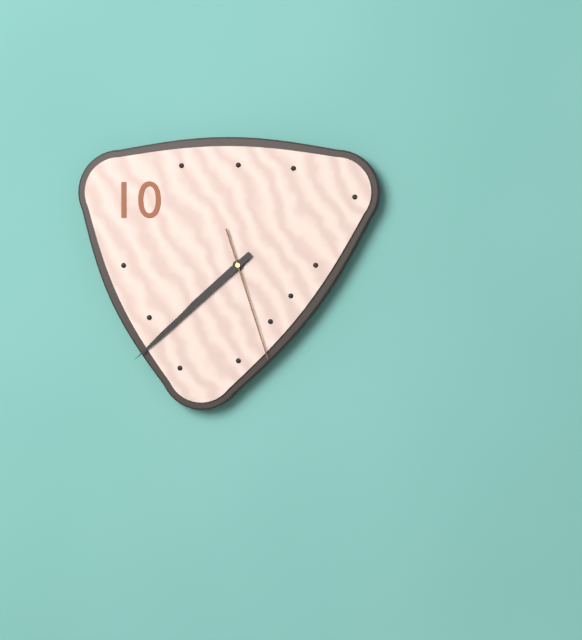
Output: **7:38:27**
